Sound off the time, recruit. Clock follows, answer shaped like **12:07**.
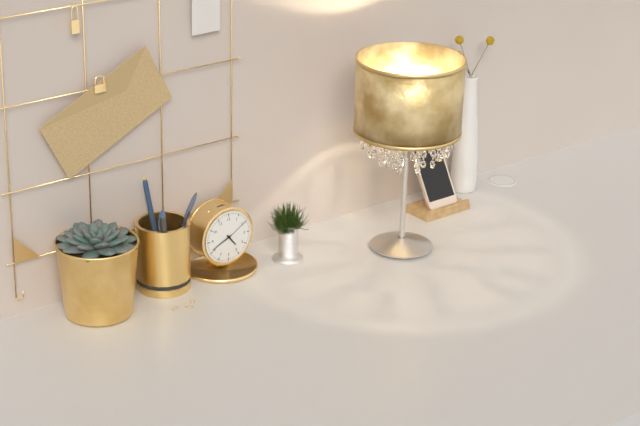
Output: **4:41**
